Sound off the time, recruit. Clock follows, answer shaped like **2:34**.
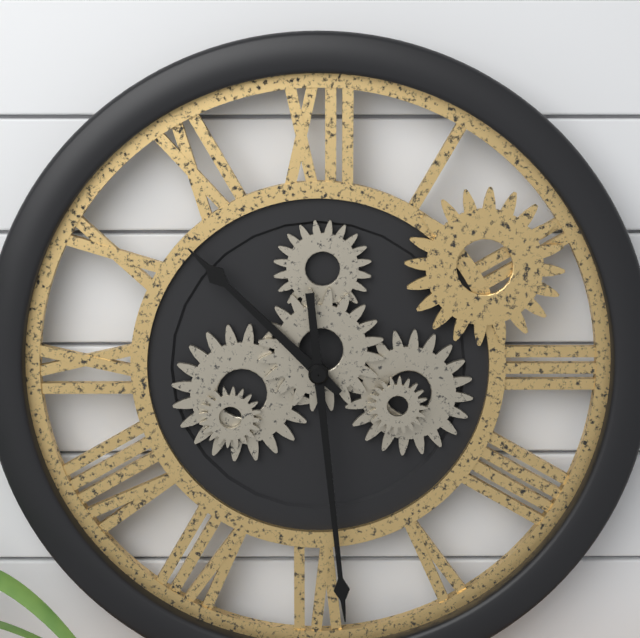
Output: **10:29**
